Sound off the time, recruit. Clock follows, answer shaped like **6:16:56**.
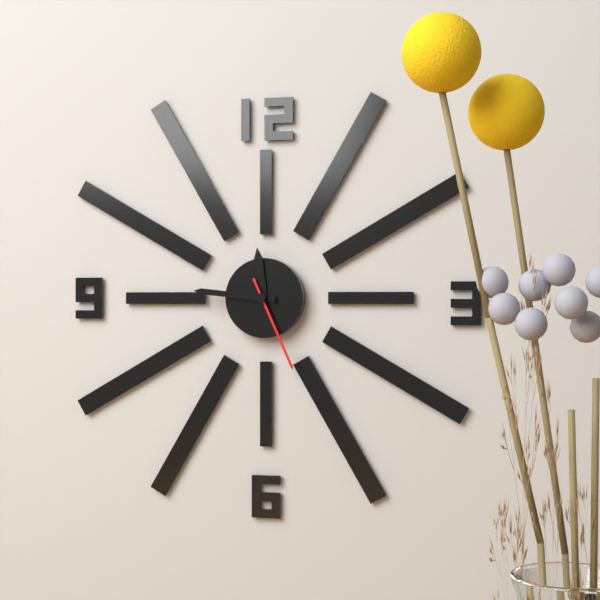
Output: **11:46:26**
